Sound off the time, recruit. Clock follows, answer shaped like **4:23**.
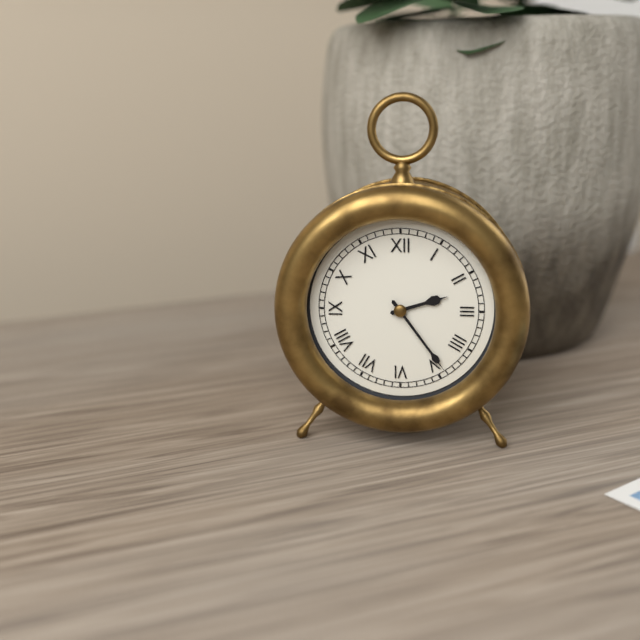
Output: **2:24**
